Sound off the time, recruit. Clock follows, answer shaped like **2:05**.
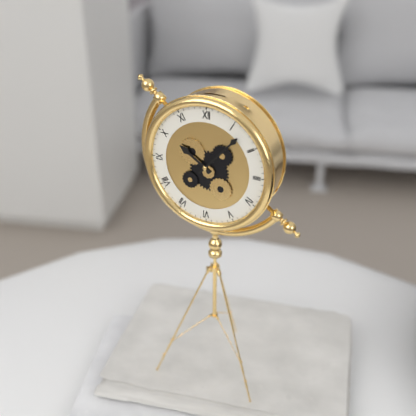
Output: **10:07**
